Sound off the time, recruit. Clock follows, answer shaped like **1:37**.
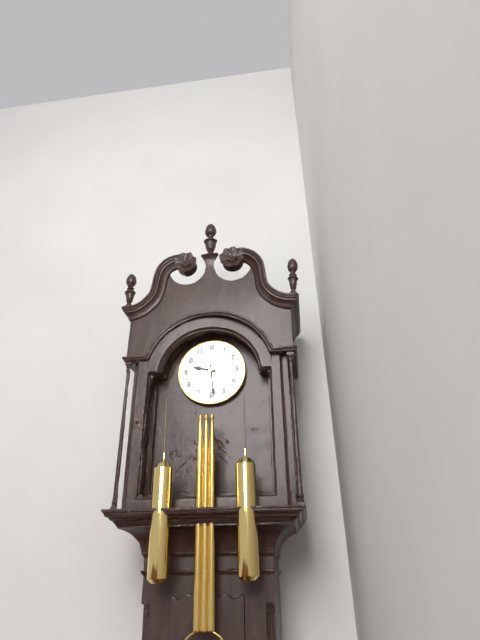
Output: **9:29**
